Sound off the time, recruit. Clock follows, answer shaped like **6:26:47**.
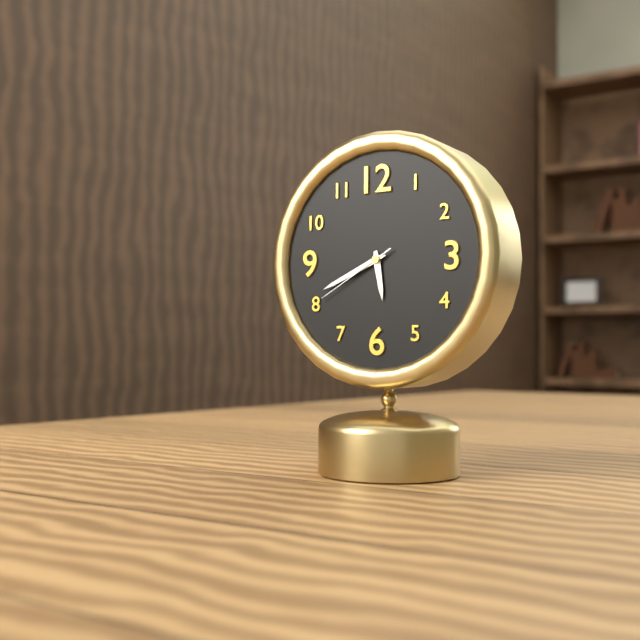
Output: **5:41:40**
